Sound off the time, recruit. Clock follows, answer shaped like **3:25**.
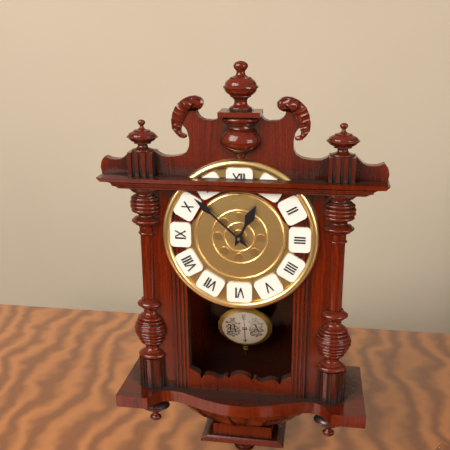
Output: **12:52**
